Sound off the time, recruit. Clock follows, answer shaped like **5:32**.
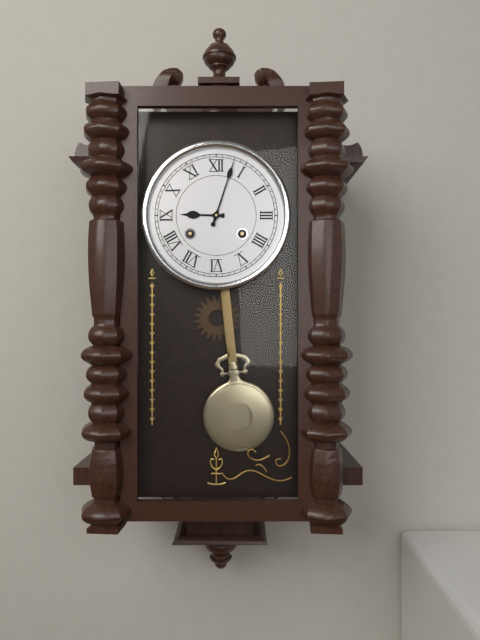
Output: **9:03**
